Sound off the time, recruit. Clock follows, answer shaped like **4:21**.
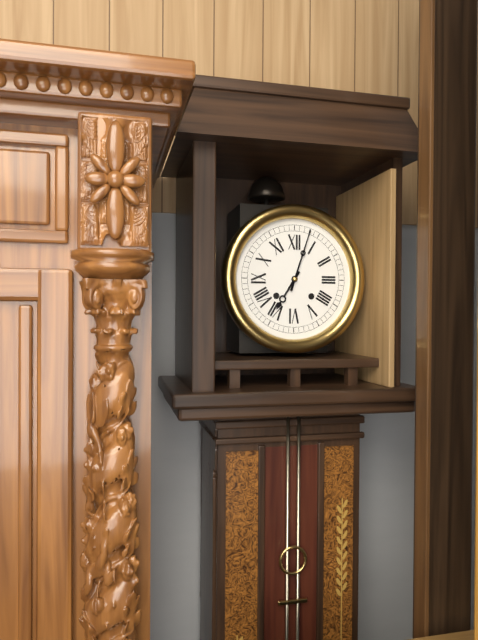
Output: **7:03**
